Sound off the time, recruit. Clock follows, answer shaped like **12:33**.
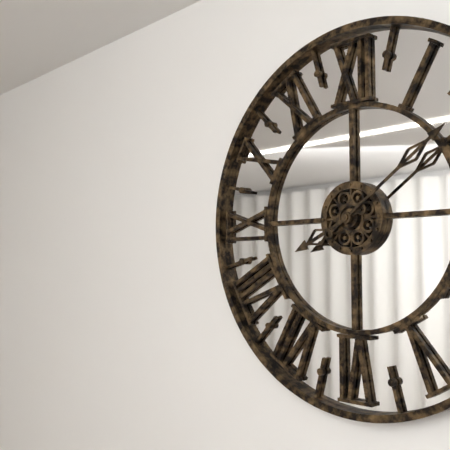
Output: **8:09**
